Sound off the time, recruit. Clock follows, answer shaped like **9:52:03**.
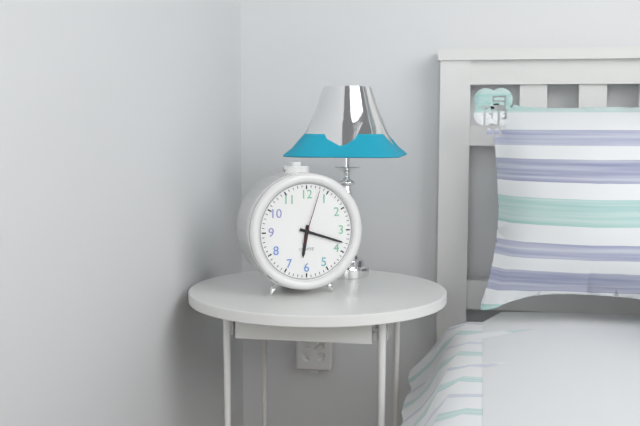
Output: **6:18:03**
